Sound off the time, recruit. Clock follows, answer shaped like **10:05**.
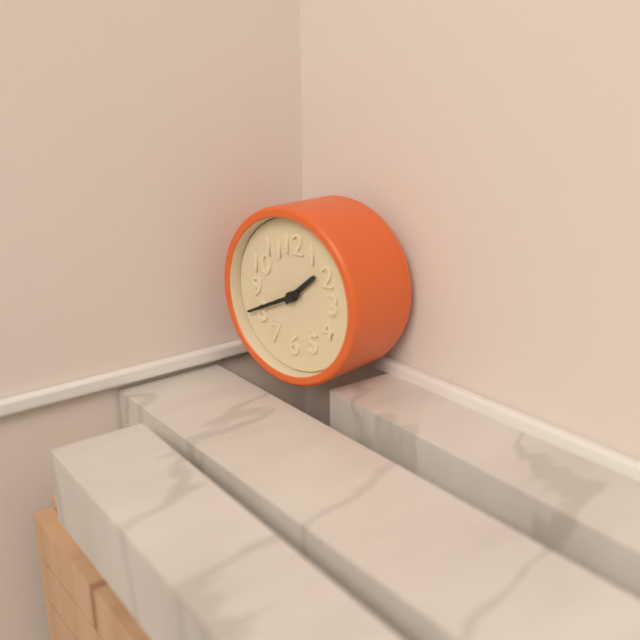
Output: **1:41**
